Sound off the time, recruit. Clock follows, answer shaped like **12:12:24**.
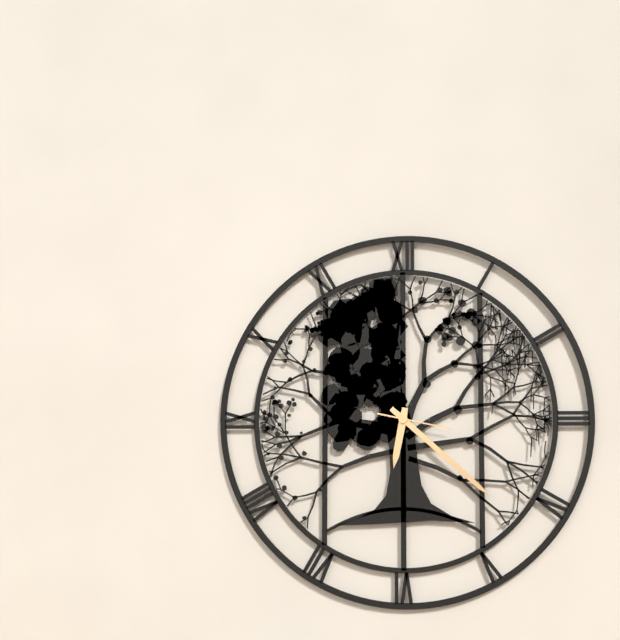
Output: **6:22:17**
